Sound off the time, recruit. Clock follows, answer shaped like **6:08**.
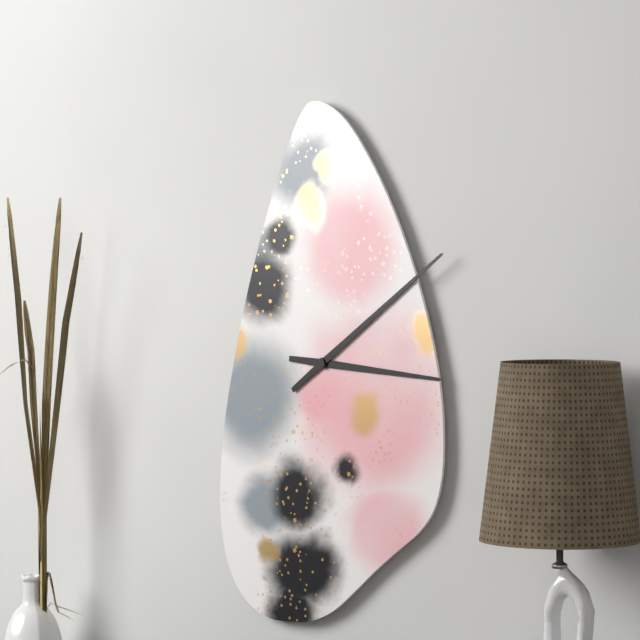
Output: **3:09**
